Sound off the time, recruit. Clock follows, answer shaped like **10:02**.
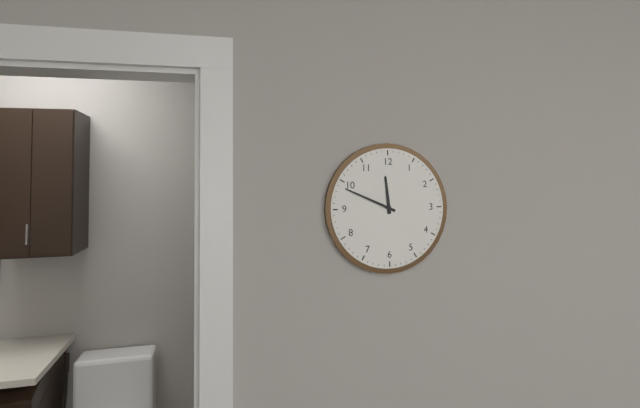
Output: **11:49**
